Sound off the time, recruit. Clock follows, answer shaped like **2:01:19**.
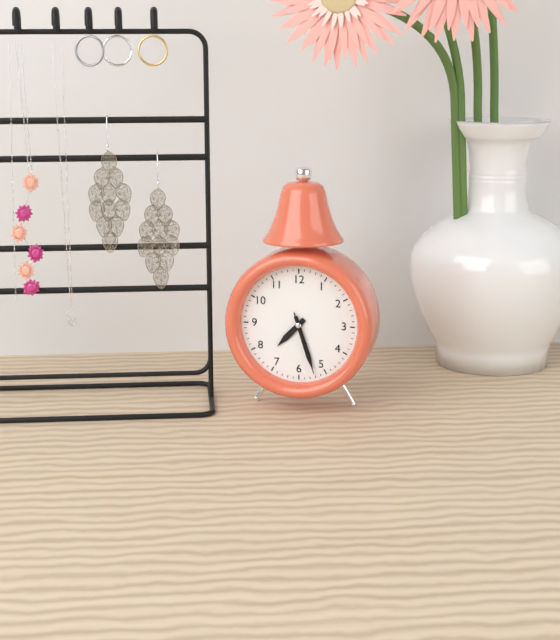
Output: **7:27:27**
